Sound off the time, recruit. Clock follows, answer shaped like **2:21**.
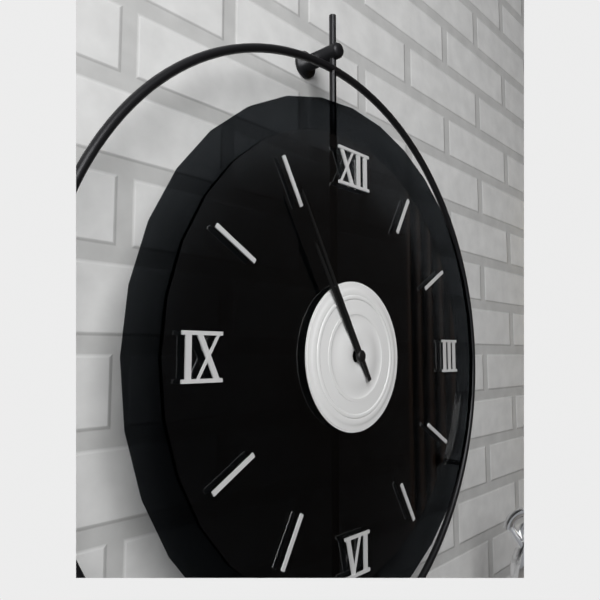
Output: **10:55**
